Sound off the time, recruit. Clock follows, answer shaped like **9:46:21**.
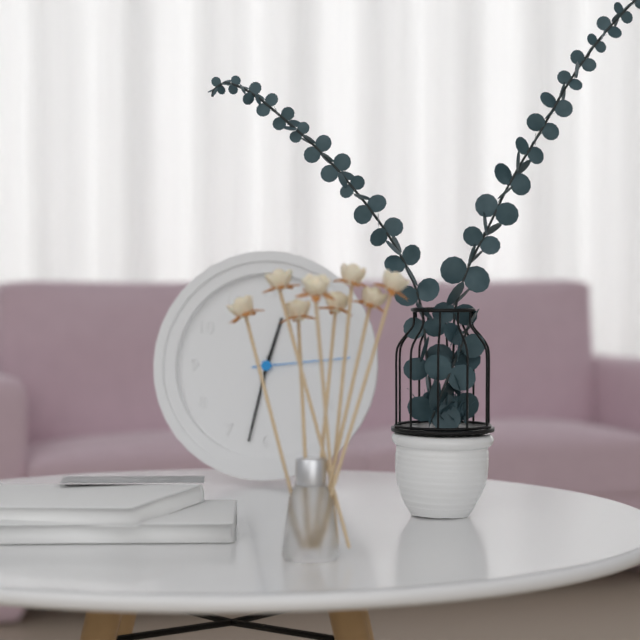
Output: **12:32:14**
